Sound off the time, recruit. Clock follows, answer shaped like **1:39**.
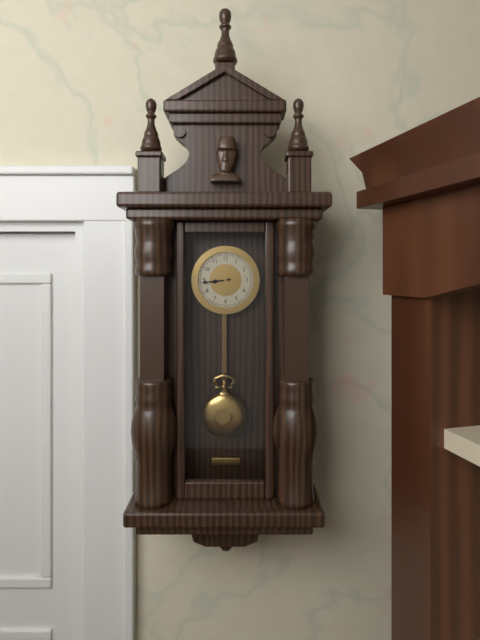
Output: **8:44**
